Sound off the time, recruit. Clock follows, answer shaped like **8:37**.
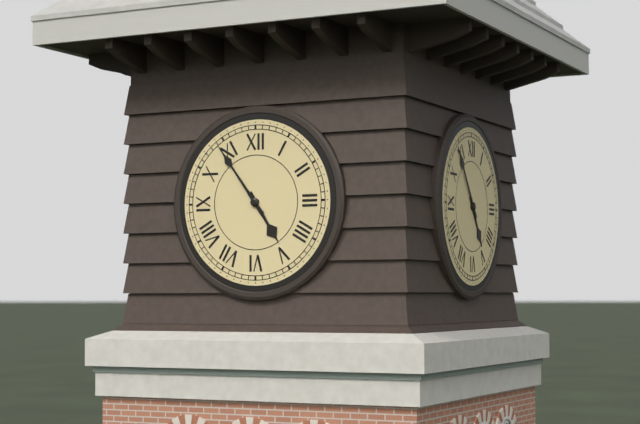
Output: **4:54**
